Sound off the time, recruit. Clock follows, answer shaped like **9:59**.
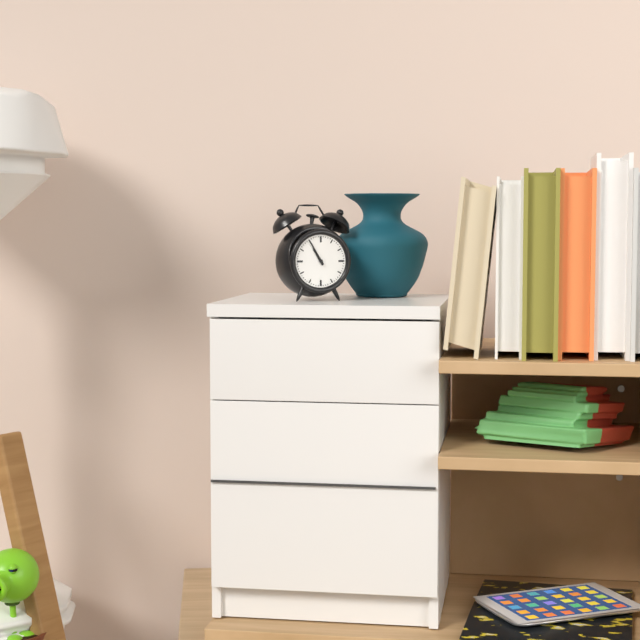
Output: **10:55**
